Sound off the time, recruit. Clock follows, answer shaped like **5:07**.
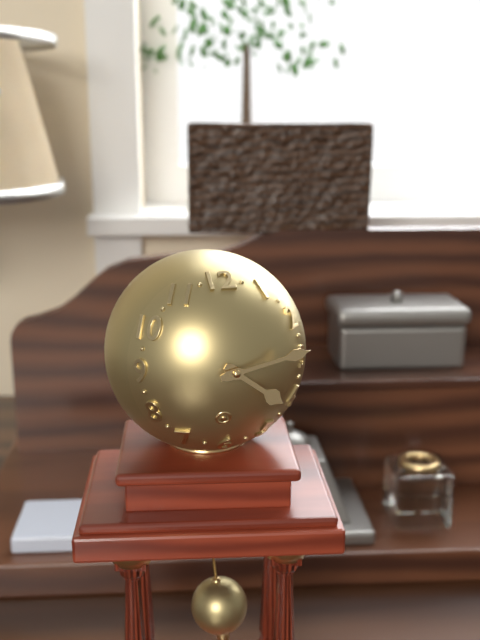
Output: **4:13**
